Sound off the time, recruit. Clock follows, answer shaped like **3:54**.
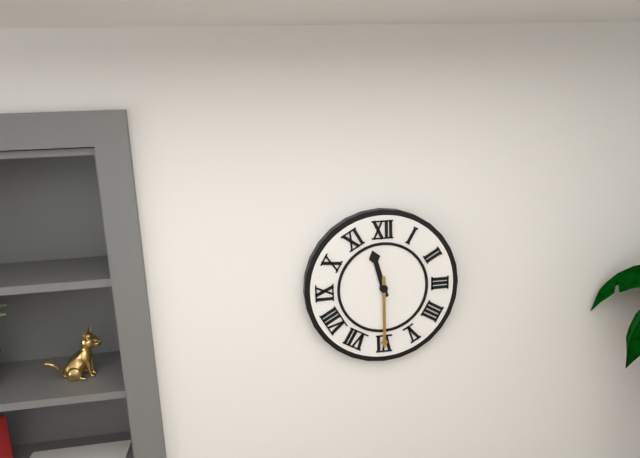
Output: **11:30**
